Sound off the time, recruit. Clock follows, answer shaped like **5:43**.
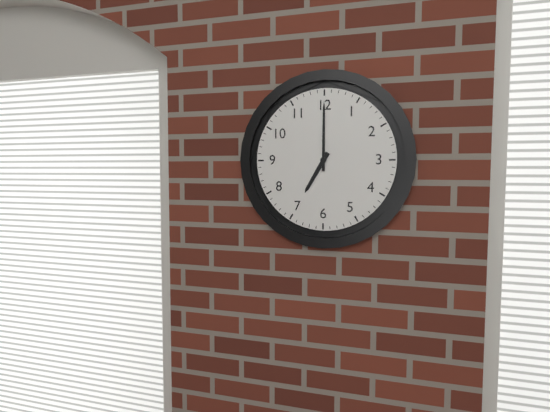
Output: **7:00**
